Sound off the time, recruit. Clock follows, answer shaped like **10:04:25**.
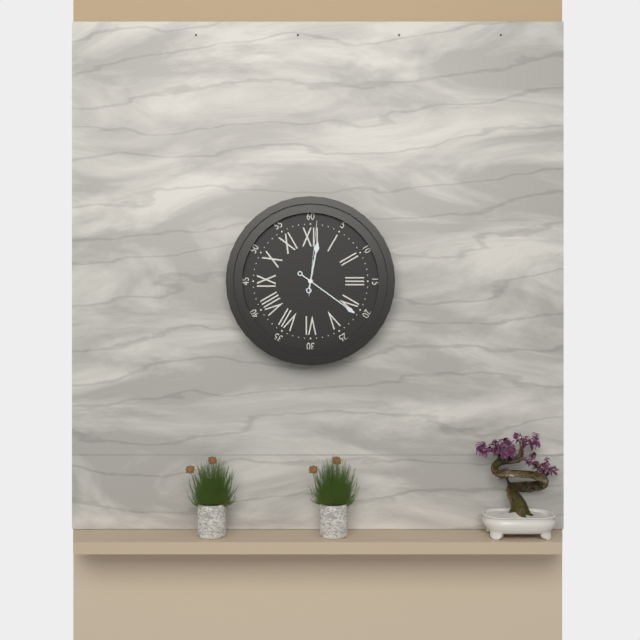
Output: **12:21:01**
